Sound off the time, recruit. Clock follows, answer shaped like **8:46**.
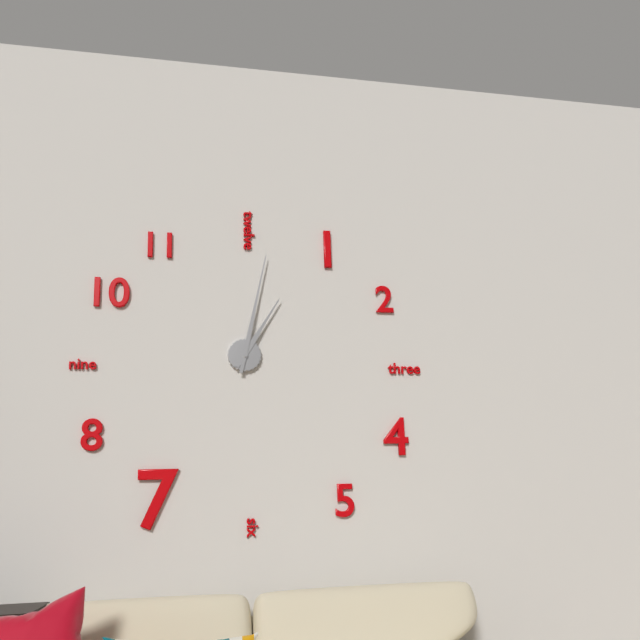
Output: **1:02**
